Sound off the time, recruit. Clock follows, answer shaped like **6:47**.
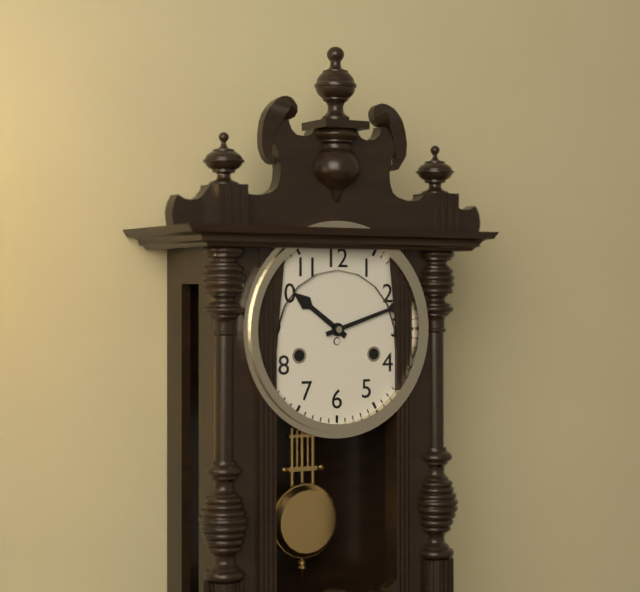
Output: **10:12**
